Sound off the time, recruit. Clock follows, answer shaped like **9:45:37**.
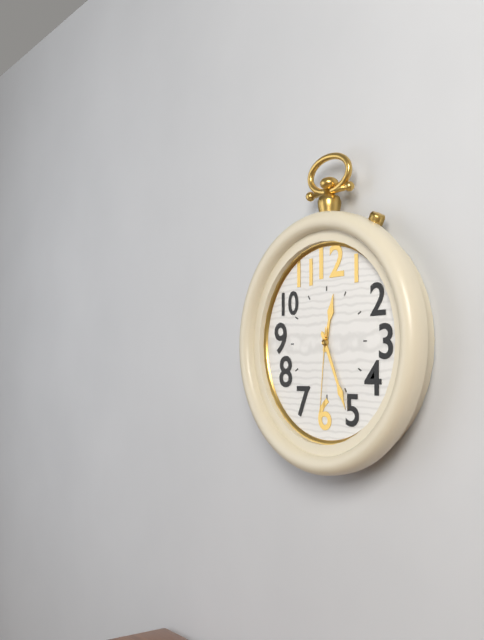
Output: **12:26:31**
